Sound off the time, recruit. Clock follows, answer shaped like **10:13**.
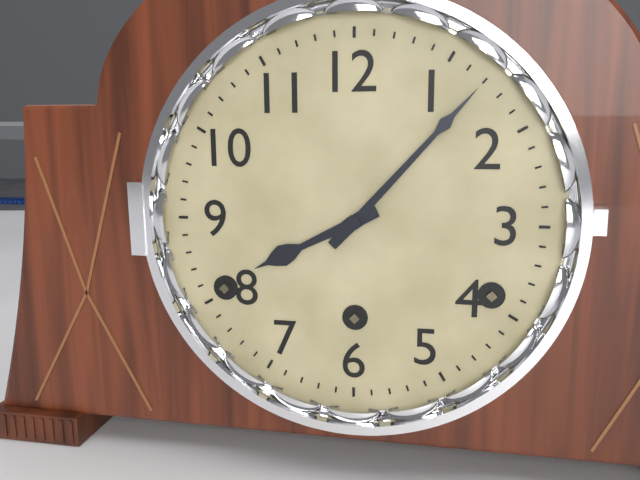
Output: **8:07**
